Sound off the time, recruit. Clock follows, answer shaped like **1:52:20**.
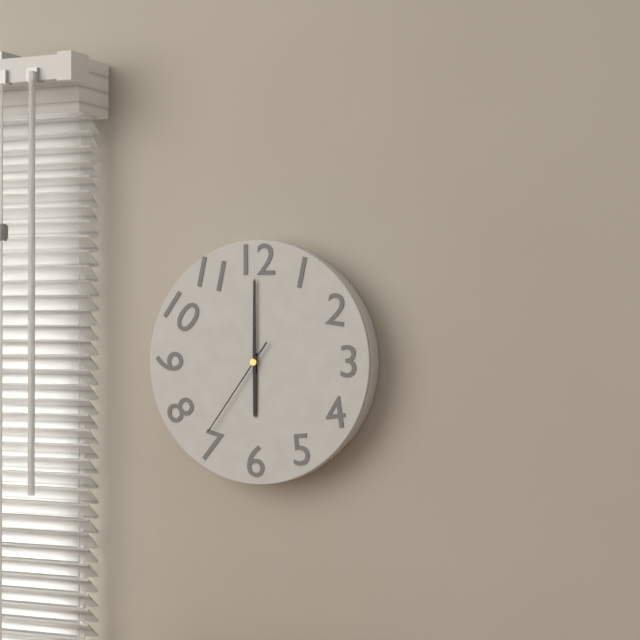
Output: **6:00:36**
